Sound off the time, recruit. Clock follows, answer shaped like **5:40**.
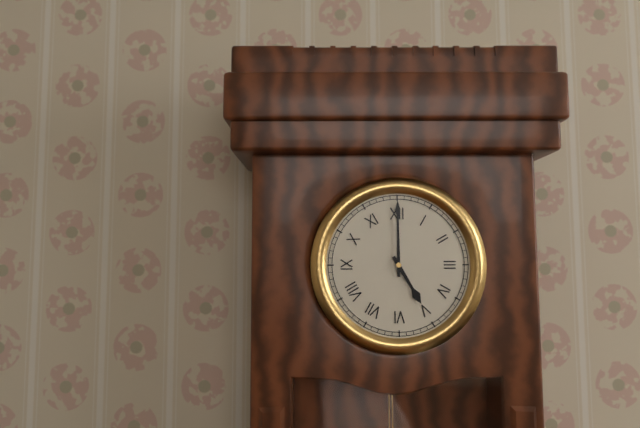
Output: **5:00**
